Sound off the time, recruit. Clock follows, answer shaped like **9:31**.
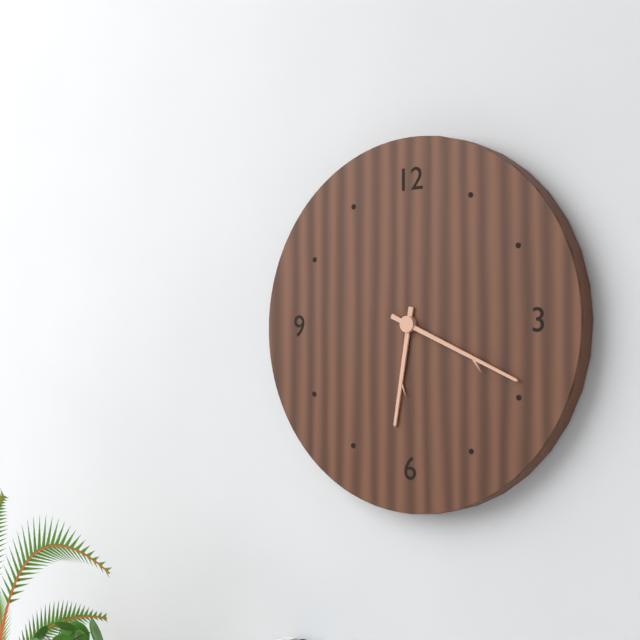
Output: **6:19**
